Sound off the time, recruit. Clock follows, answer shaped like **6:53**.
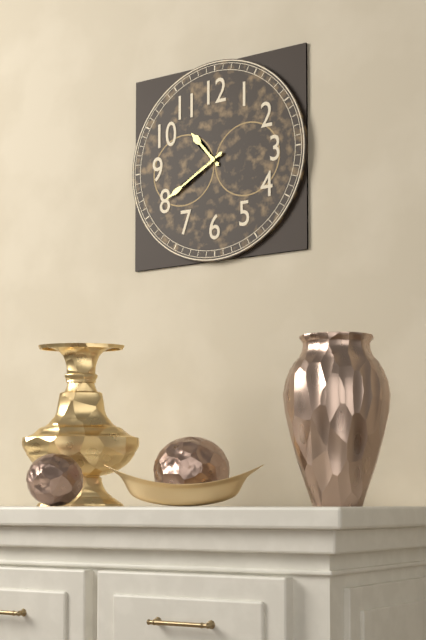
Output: **10:40**
